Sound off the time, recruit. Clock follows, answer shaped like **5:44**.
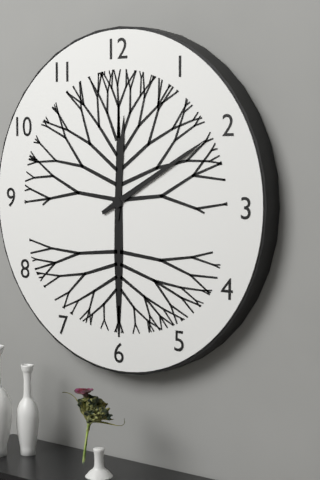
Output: **12:10**
